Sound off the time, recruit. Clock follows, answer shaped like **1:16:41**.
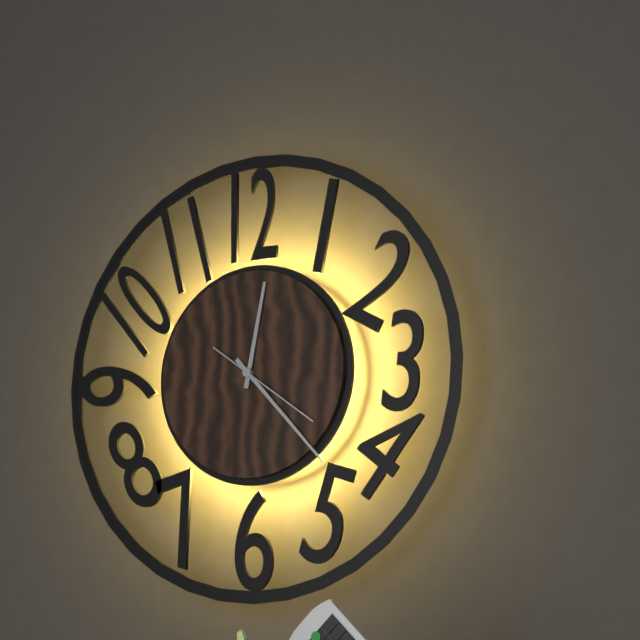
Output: **12:23:21**
